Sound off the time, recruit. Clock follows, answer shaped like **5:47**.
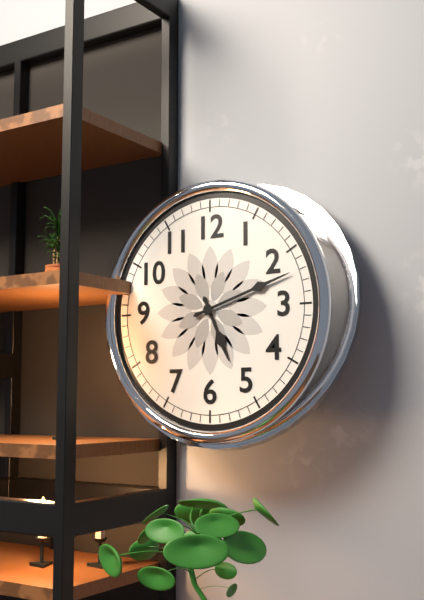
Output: **5:12**
